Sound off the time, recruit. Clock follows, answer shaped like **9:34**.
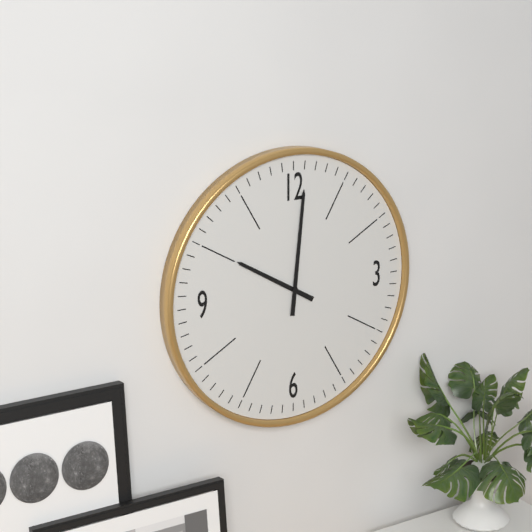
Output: **10:01**
